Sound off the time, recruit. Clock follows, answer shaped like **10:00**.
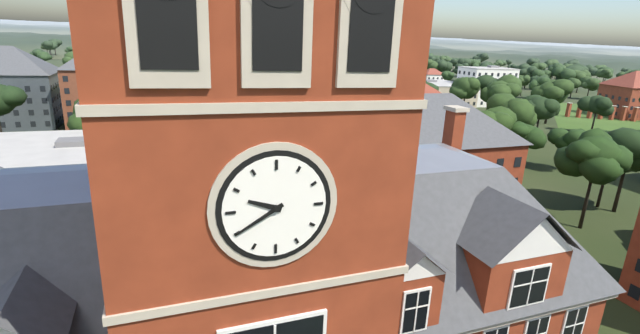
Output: **9:40**
